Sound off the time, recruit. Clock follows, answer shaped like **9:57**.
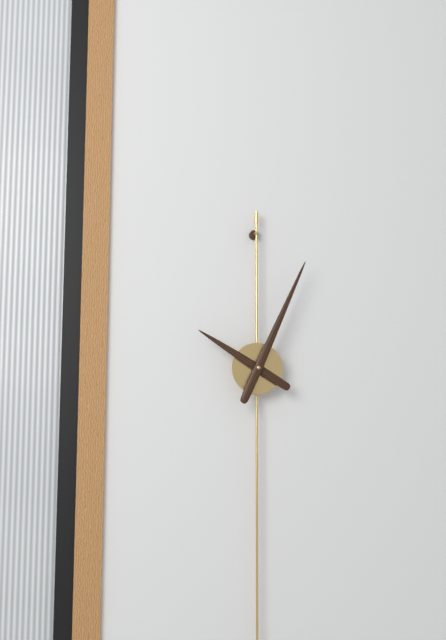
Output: **10:04**
